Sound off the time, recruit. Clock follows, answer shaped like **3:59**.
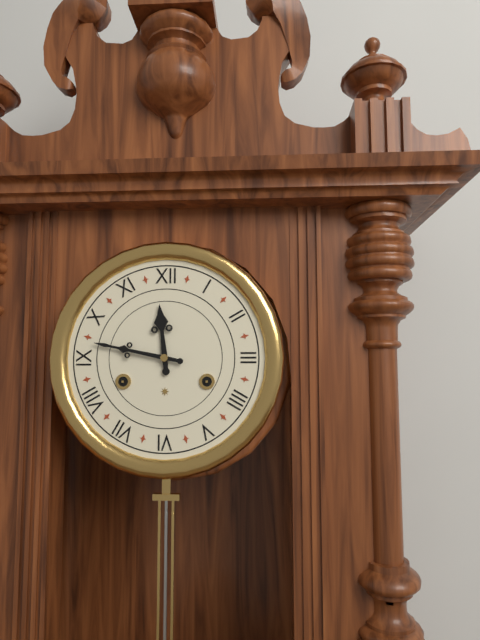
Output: **11:47**
